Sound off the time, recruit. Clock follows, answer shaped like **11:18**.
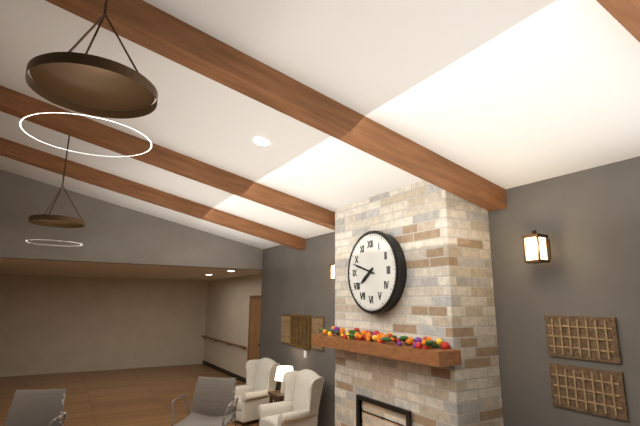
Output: **7:48**
